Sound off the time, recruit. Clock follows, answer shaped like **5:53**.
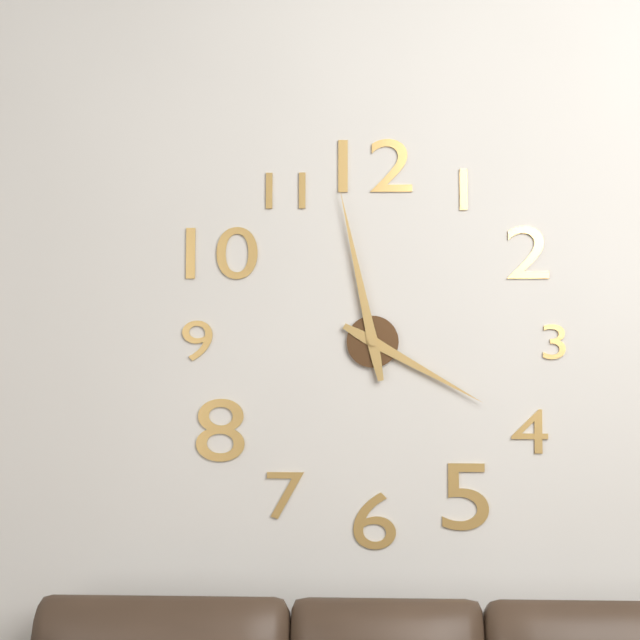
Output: **3:58**
